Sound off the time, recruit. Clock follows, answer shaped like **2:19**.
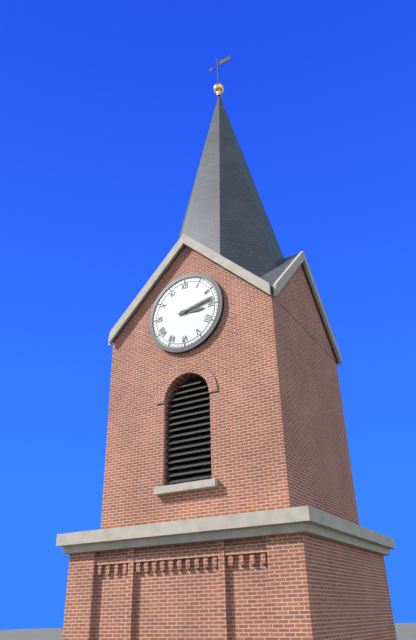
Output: **3:13**
